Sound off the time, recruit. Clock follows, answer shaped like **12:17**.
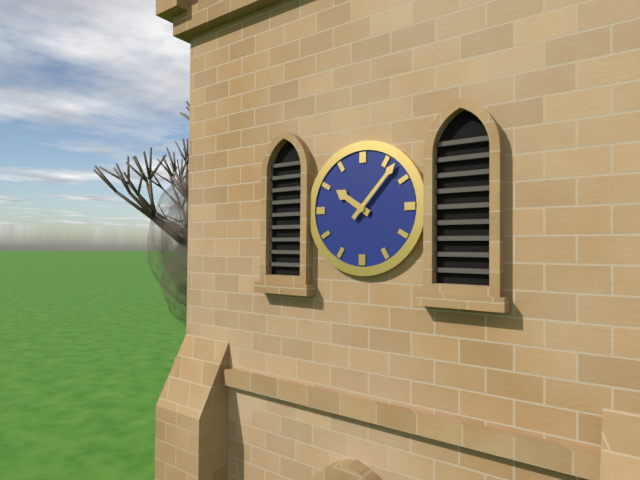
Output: **10:07**
